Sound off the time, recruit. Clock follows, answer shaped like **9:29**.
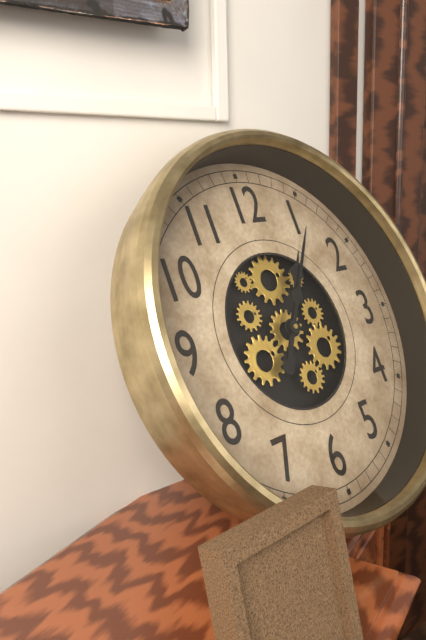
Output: **1:06**
